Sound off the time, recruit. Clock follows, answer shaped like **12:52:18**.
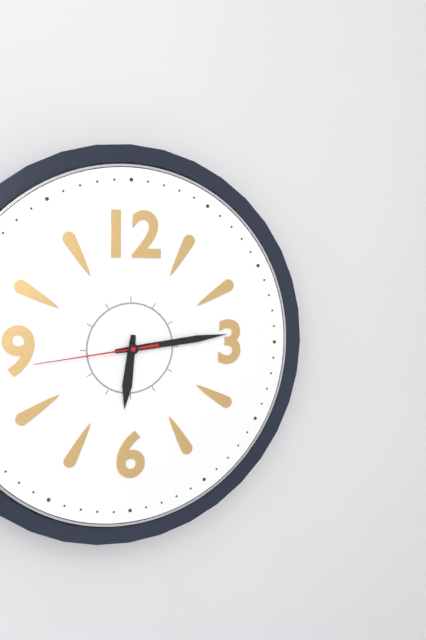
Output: **6:14:44**
